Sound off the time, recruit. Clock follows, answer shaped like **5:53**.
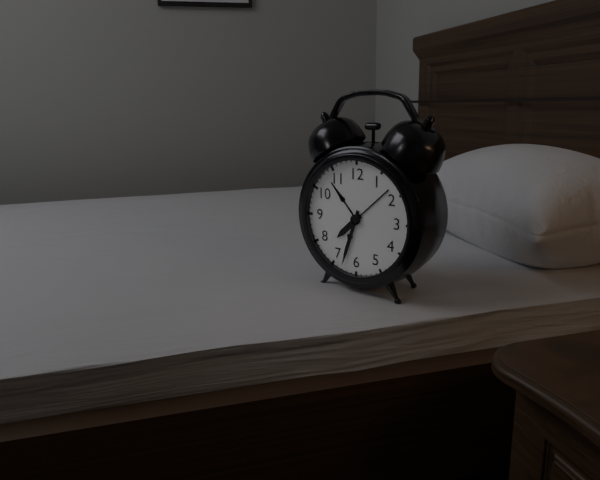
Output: **7:33**
